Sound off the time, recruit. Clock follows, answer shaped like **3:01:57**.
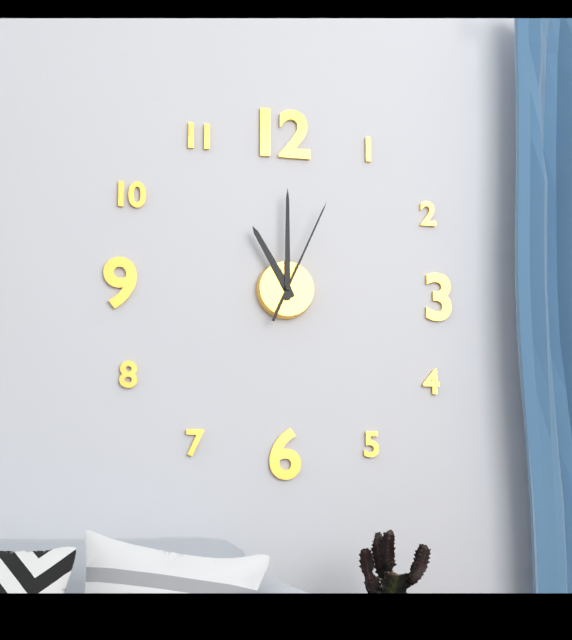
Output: **11:00:04**
